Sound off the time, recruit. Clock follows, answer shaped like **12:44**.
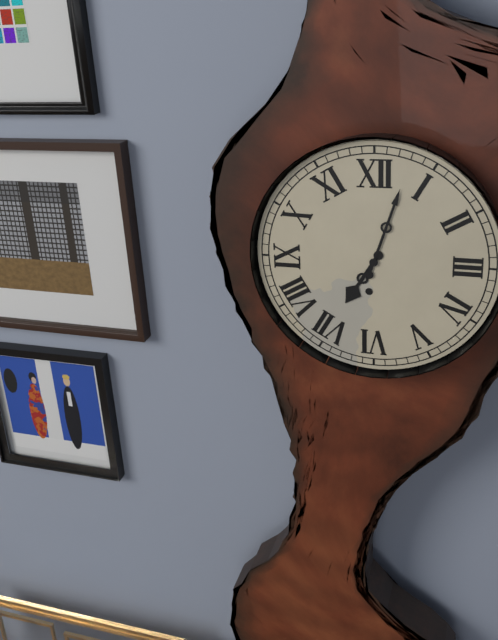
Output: **7:03**
